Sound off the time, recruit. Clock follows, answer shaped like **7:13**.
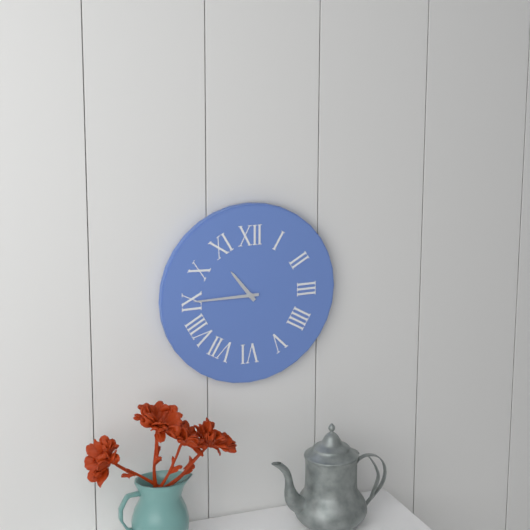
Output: **10:45**
